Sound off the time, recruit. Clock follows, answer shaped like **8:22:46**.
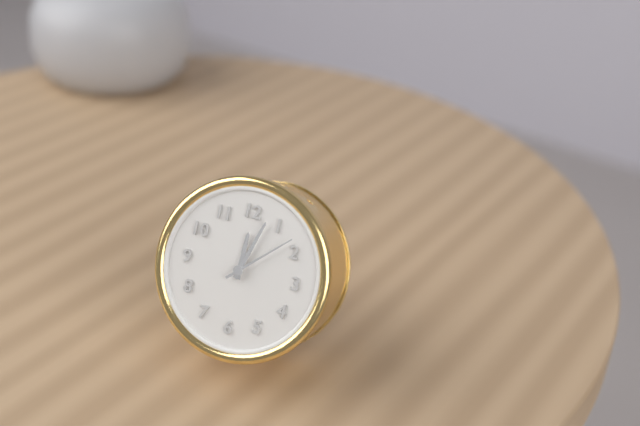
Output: **12:03:08**
